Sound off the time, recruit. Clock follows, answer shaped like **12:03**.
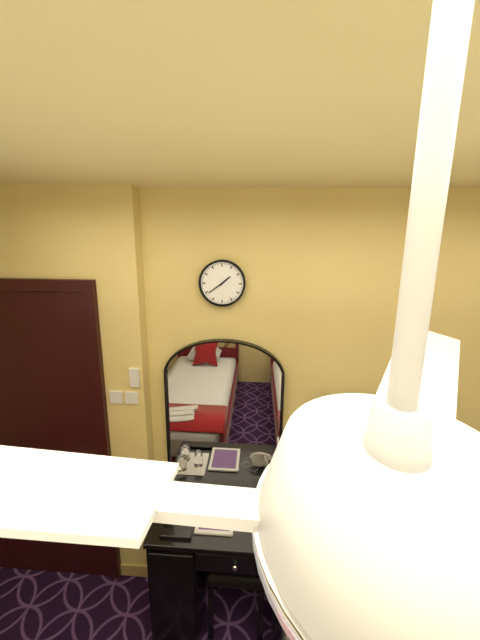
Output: **1:39**
